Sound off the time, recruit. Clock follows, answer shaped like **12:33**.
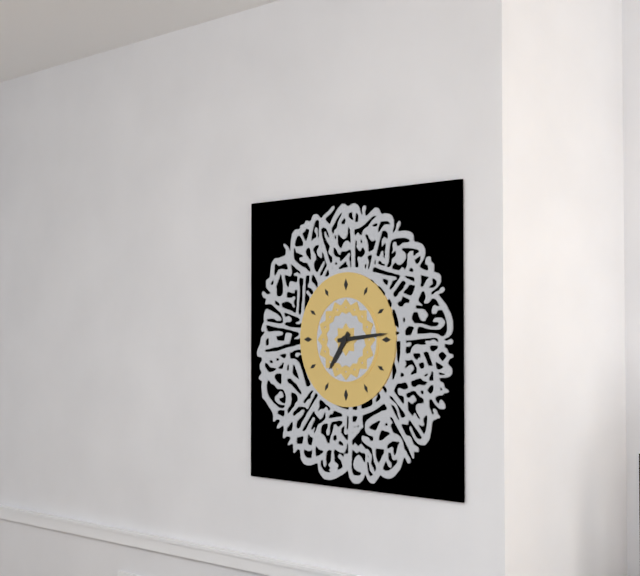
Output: **7:14**
